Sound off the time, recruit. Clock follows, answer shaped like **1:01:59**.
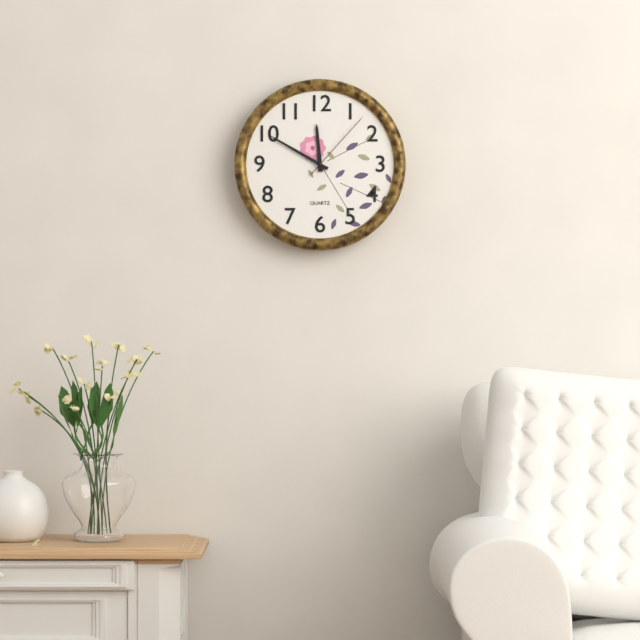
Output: **11:50:07**
